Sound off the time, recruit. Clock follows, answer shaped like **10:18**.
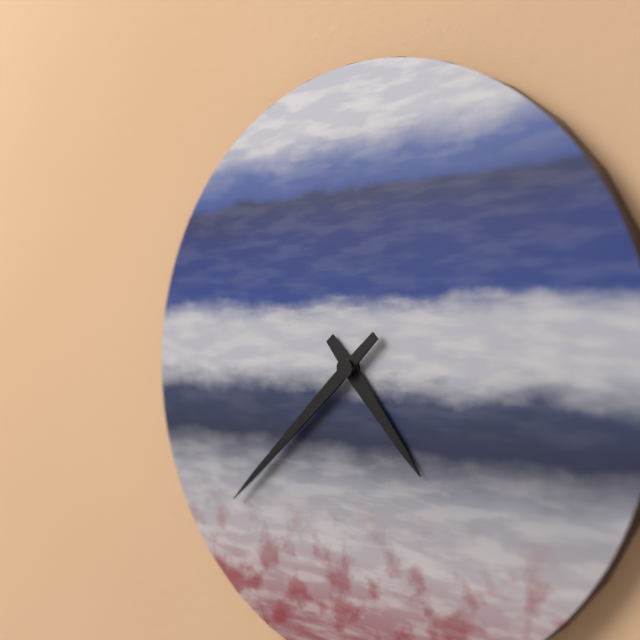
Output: **4:38**
